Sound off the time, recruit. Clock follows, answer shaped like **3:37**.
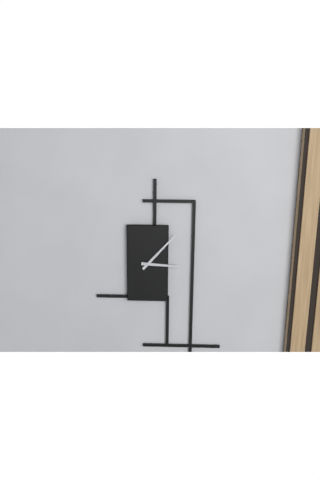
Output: **3:07**
